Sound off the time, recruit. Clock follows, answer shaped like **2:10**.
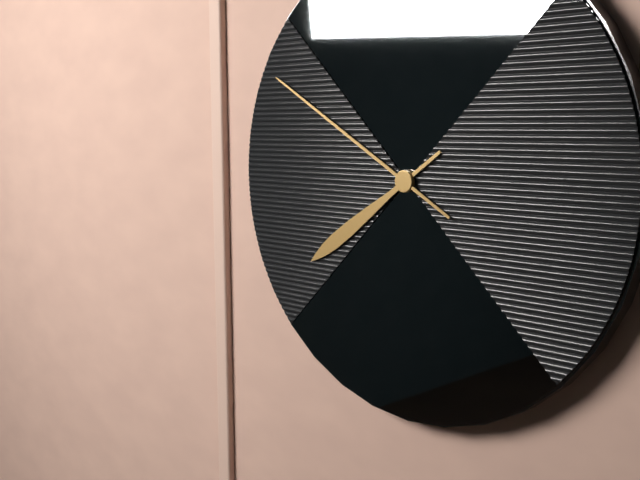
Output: **7:50**
